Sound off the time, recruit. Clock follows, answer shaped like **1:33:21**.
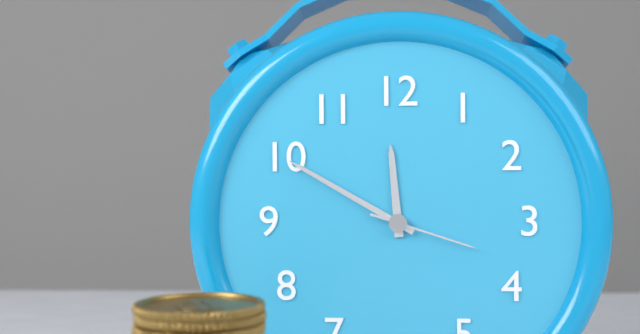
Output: **11:50:18**
